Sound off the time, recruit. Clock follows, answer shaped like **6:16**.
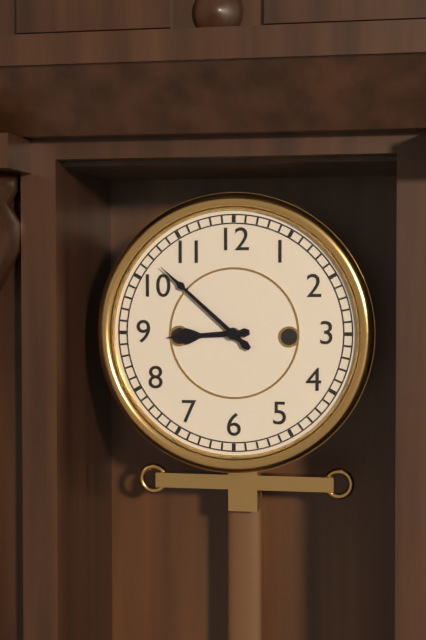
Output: **8:52**
